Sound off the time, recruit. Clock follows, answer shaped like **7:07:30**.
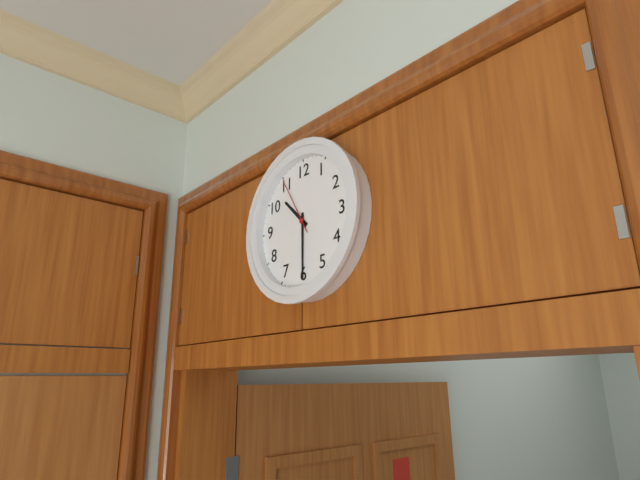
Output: **10:30:55**
